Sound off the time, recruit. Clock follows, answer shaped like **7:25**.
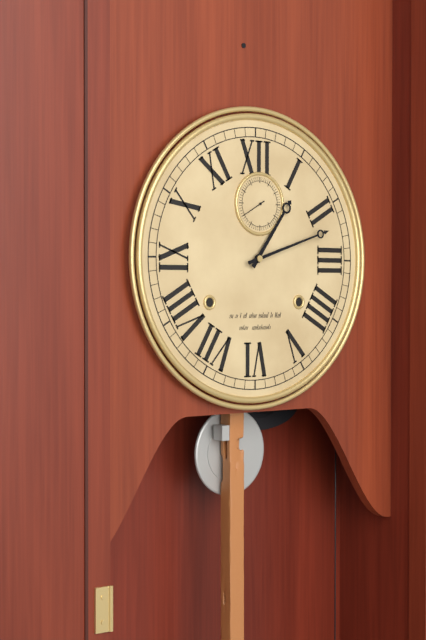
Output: **1:12**
